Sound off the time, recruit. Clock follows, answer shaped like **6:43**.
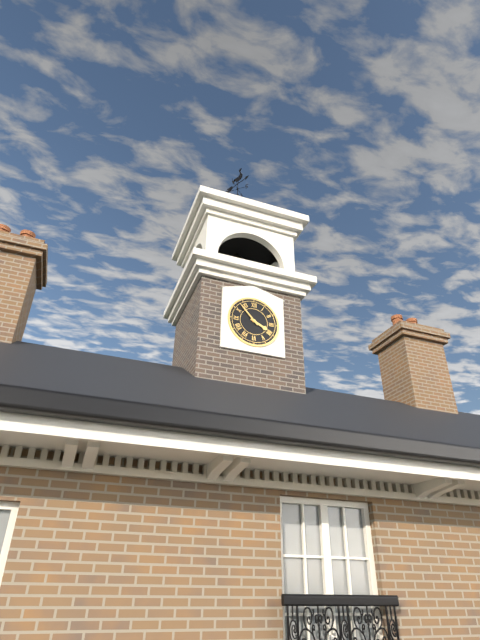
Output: **3:53**
